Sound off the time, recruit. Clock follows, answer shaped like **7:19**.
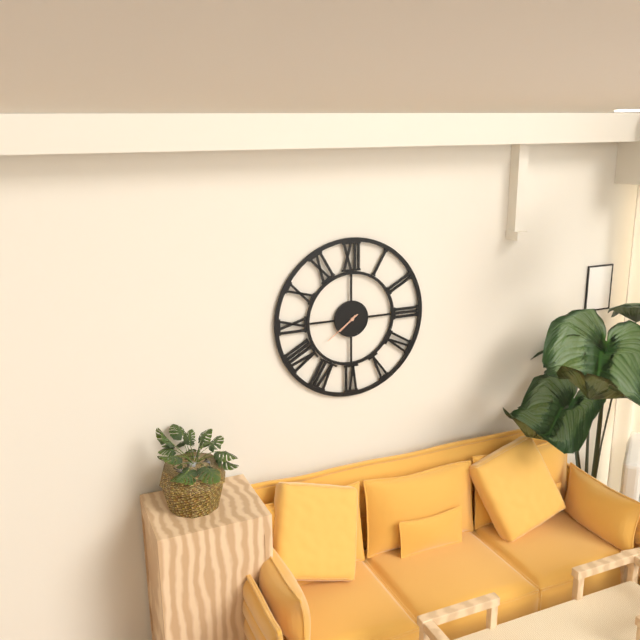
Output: **7:39**
